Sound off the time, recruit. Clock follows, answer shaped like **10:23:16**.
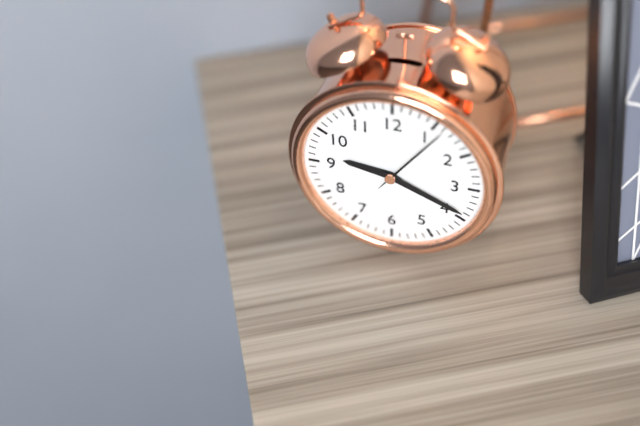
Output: **9:19:06**
